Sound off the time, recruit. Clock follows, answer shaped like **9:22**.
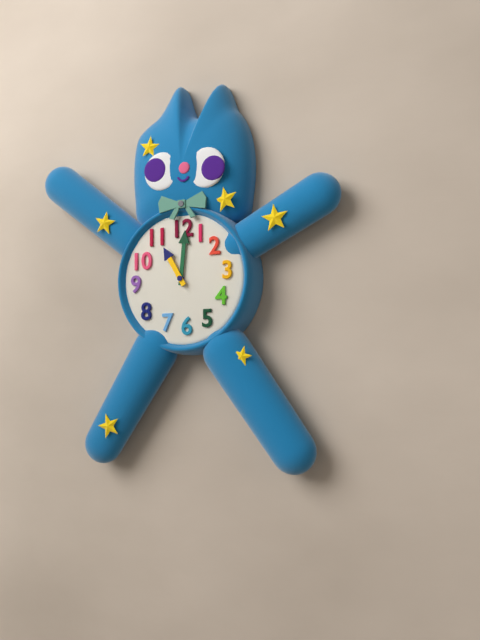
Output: **11:01**
